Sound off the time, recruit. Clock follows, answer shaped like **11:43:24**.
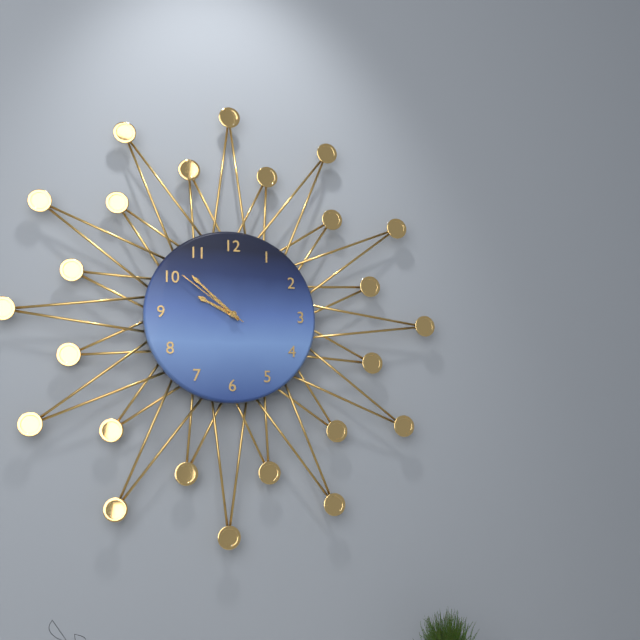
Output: **9:52:51**
